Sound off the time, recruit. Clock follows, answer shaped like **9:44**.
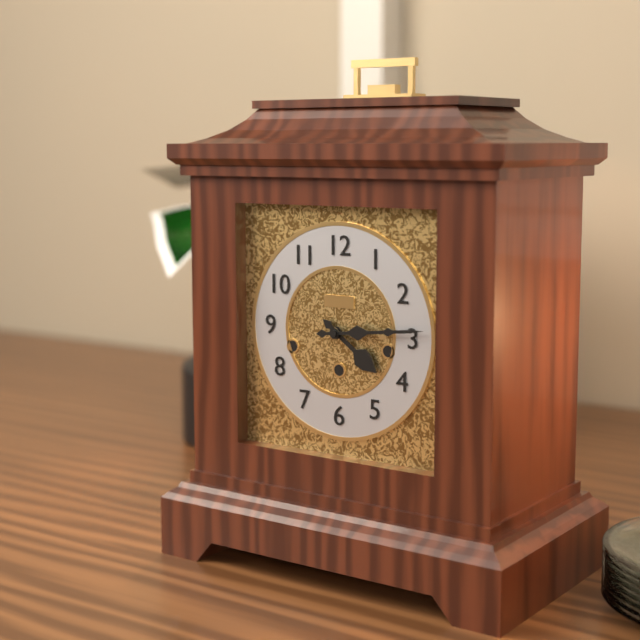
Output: **4:14**
